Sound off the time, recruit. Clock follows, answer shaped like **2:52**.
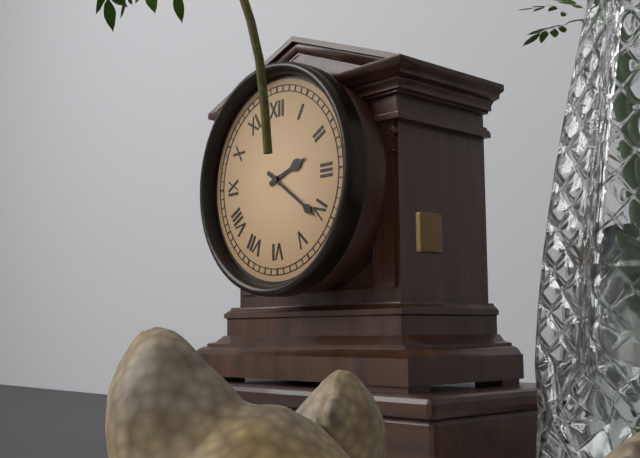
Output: **2:21**
